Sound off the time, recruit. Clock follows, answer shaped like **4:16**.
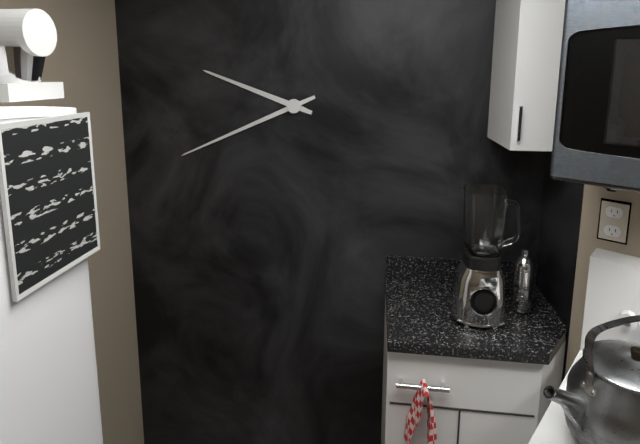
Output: **9:41**
